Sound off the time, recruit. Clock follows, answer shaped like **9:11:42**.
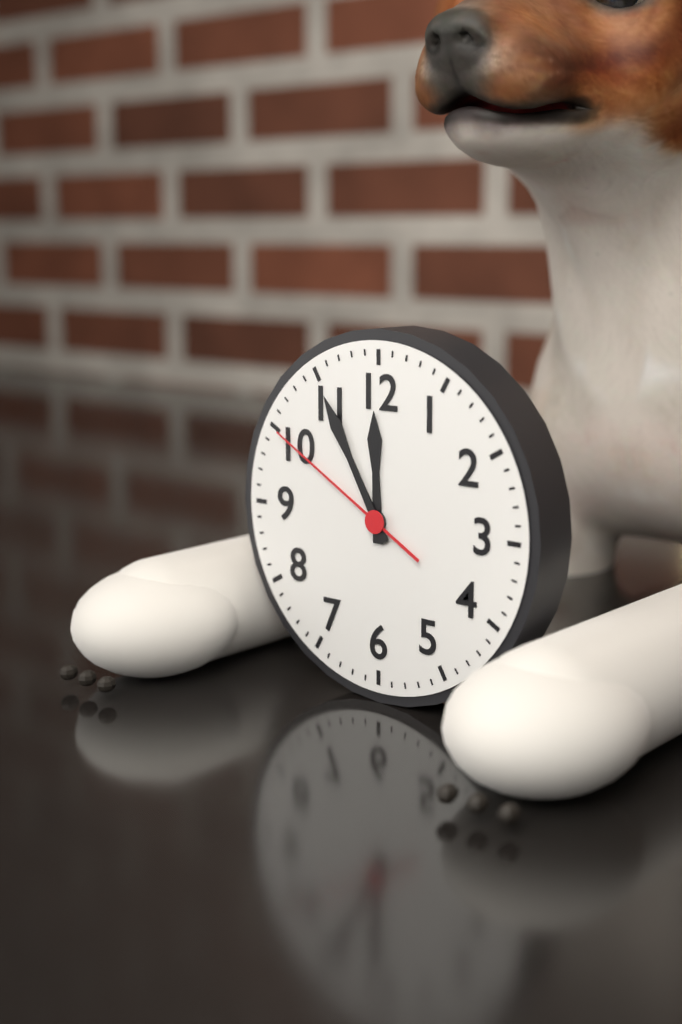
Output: **11:55:50**
